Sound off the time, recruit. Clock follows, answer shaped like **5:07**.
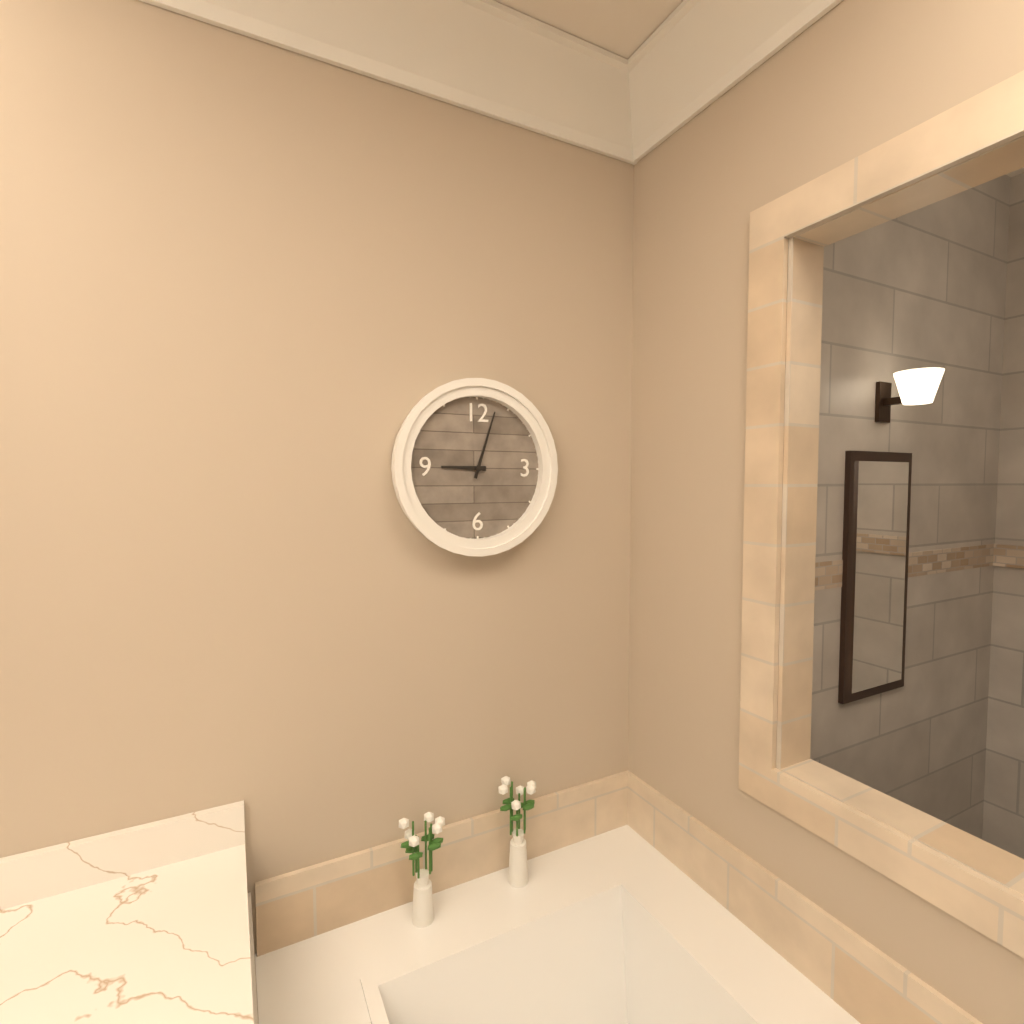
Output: **9:03**
